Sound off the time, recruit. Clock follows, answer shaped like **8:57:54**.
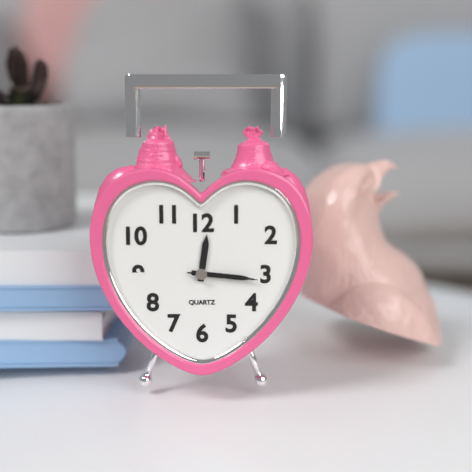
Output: **12:16:16**
